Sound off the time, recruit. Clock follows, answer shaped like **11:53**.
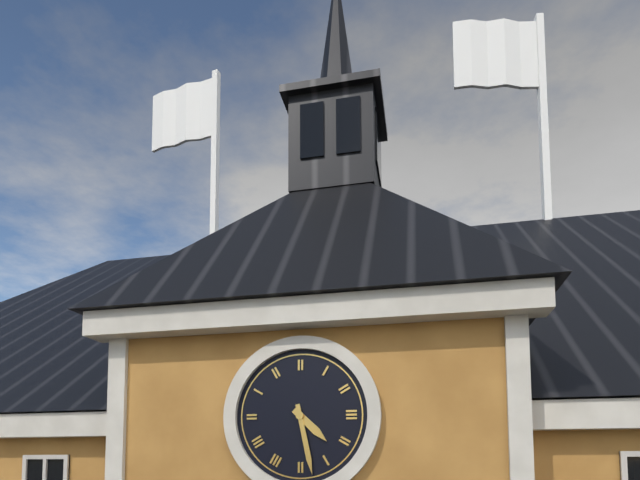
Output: **4:28**
